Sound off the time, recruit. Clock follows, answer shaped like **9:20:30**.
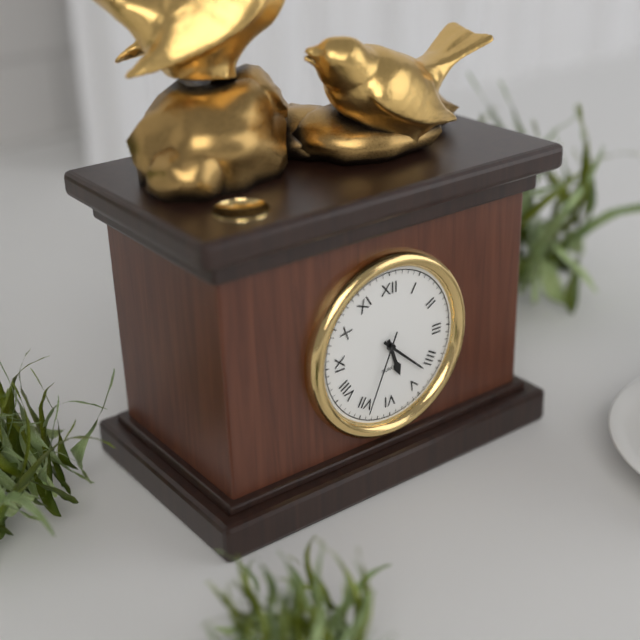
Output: **5:22:34**
